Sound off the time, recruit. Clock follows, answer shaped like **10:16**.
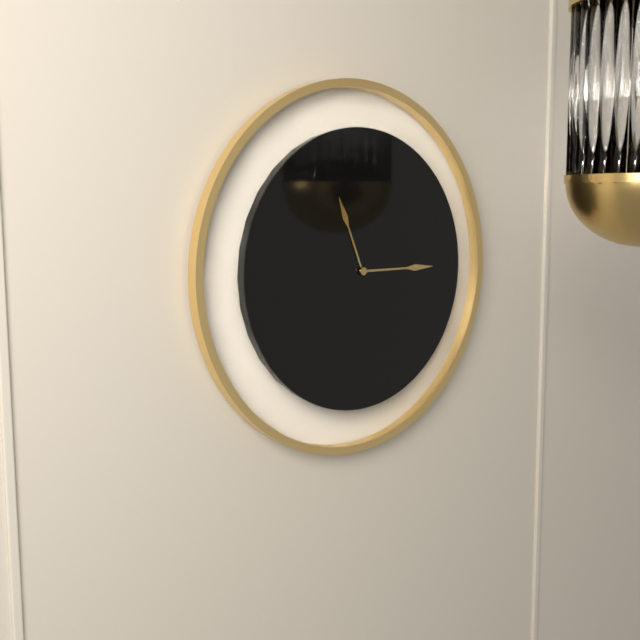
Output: **11:15**
